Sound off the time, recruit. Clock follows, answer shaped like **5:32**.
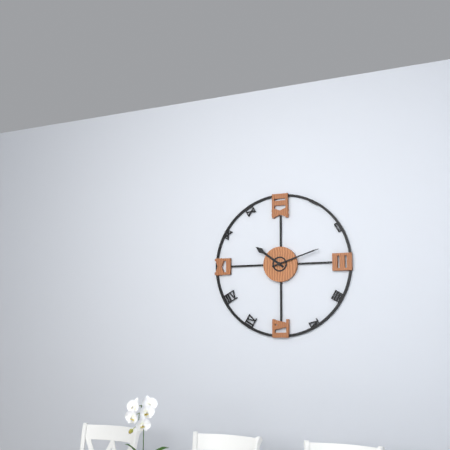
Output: **10:12**
